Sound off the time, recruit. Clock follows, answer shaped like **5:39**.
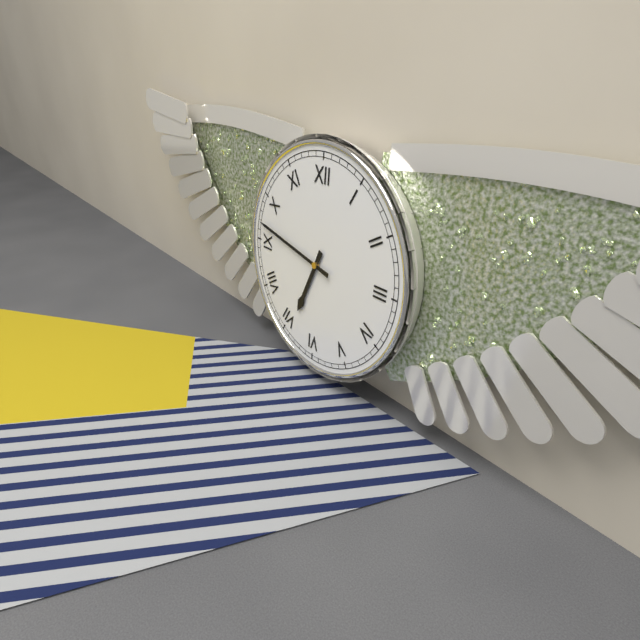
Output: **6:47**
